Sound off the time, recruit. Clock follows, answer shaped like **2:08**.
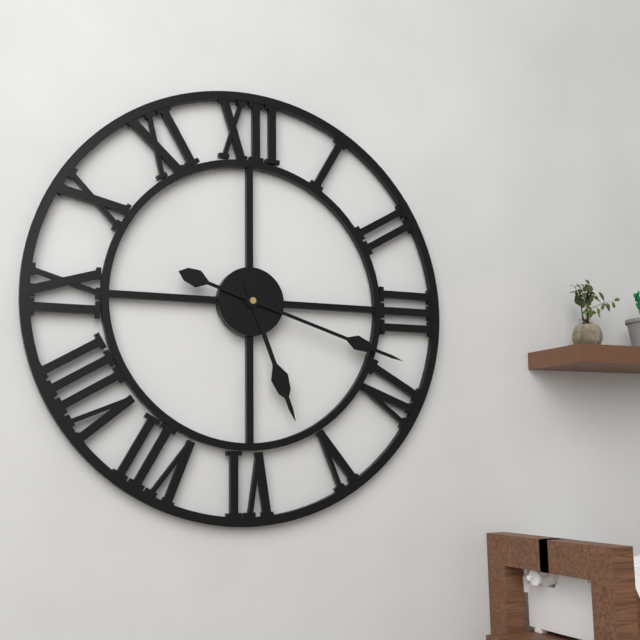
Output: **5:18**
